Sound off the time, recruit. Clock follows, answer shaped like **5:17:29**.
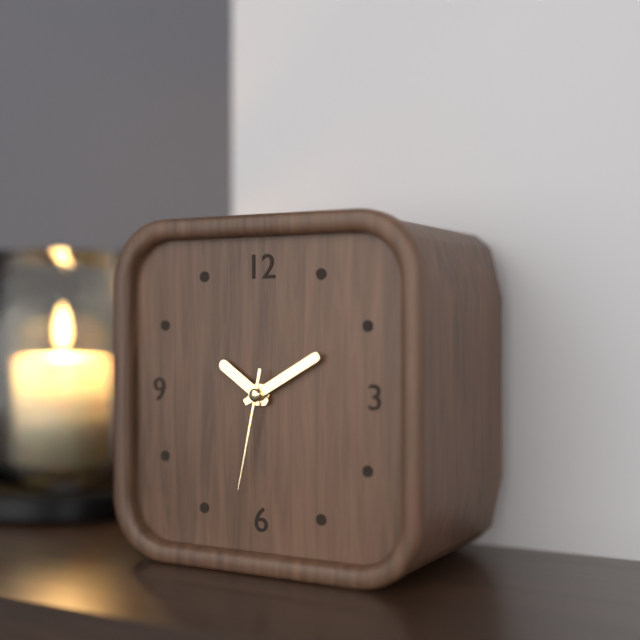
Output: **10:10:32**
